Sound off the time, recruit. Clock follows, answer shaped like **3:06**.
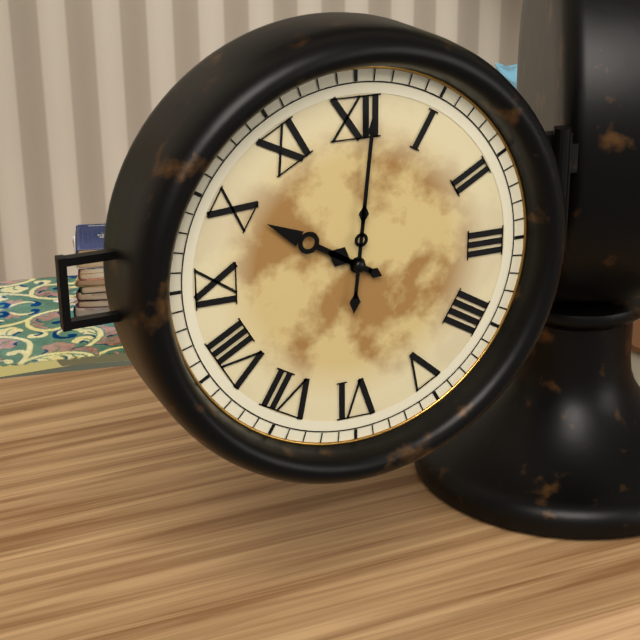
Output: **10:01**
